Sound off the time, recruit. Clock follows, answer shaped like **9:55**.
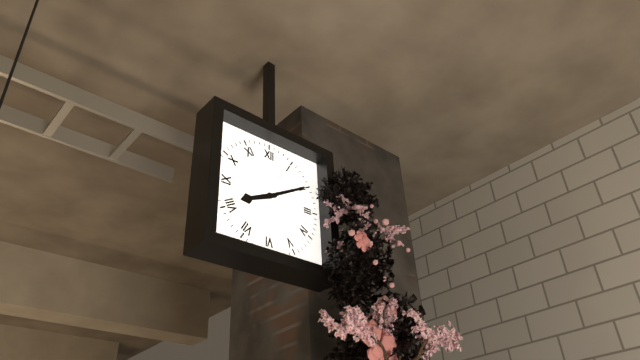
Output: **8:10**
